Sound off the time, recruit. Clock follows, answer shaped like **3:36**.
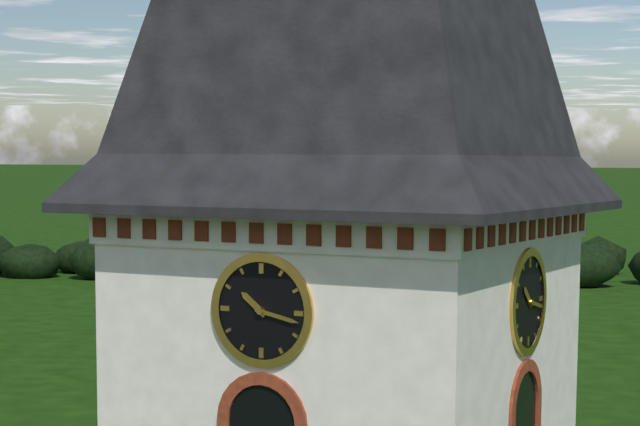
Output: **10:17**
